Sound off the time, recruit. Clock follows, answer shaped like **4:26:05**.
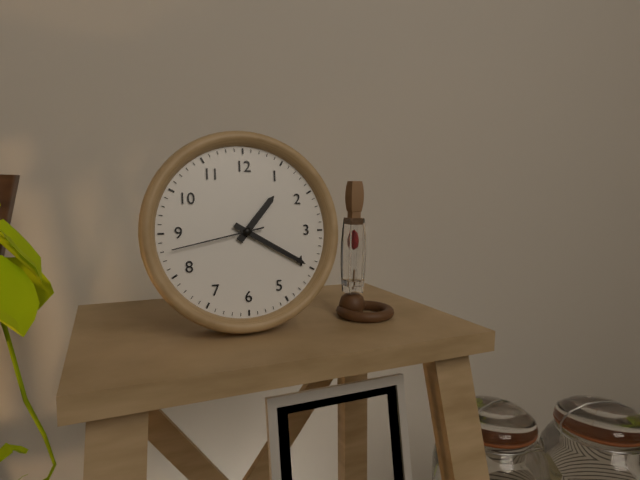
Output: **1:20:43**
